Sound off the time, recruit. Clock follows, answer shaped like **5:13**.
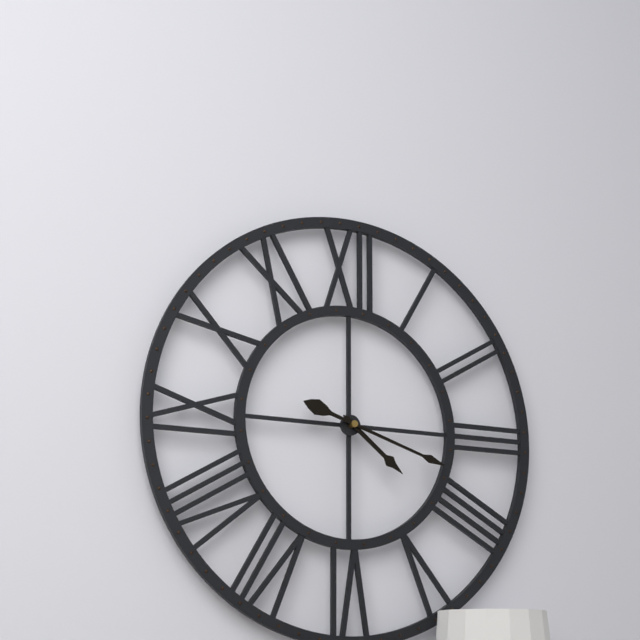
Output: **4:18**
